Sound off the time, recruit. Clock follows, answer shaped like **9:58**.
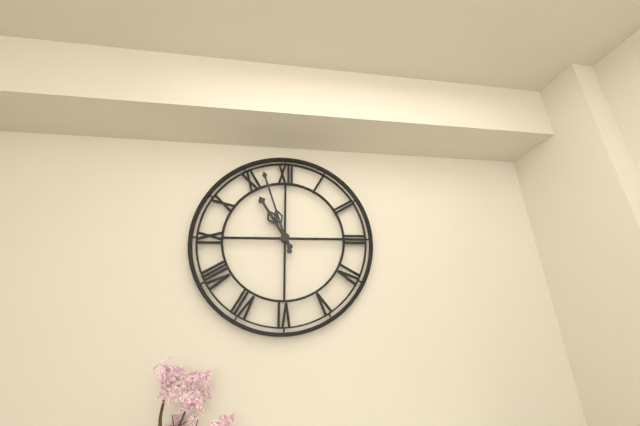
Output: **10:57**
